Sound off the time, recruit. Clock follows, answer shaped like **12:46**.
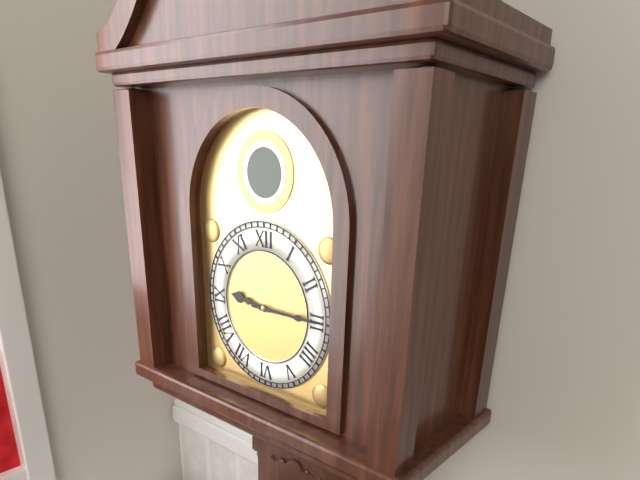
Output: **9:15**
